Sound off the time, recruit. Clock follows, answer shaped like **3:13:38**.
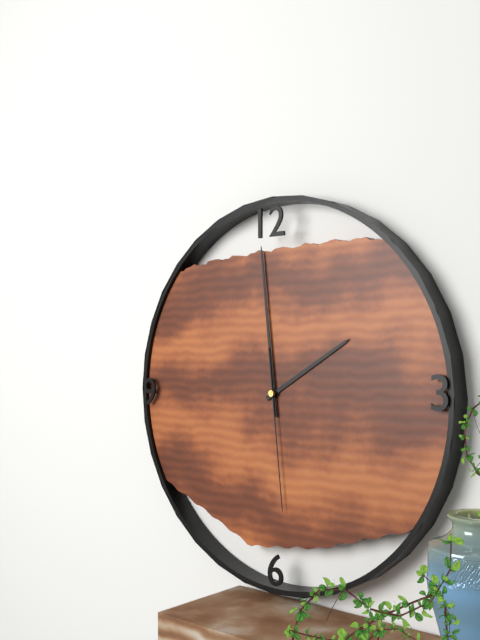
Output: **1:59:29**
